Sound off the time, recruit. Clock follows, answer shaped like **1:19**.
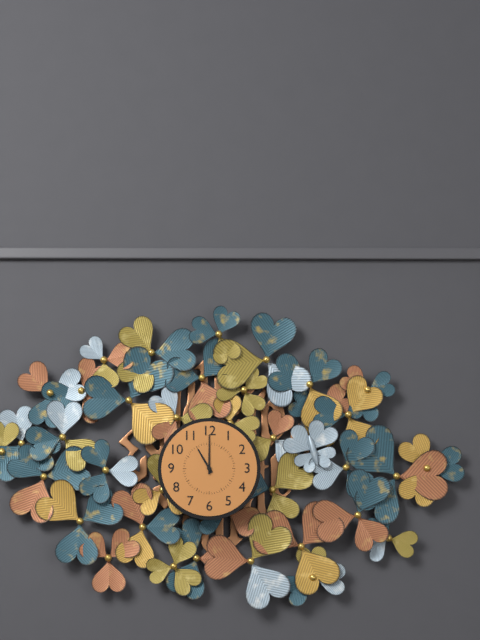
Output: **11:00**
